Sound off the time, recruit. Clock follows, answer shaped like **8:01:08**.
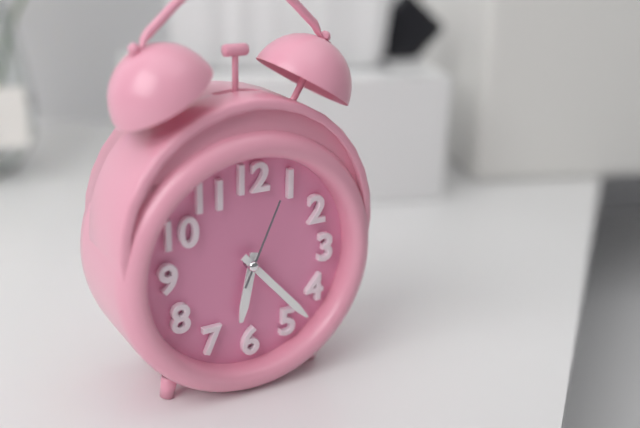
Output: **6:23:04**
